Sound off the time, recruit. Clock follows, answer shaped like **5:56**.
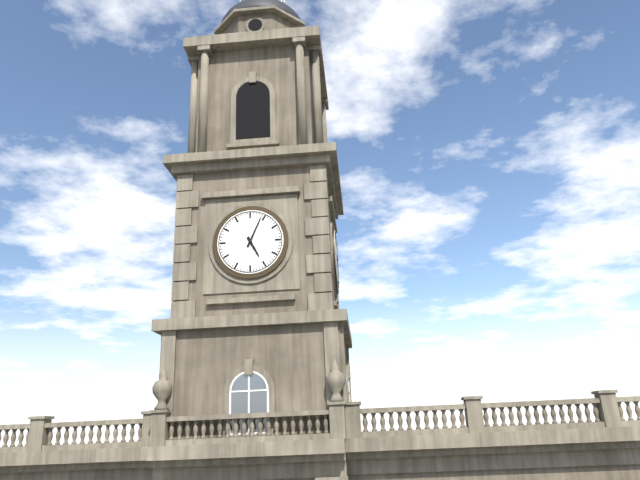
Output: **5:04**
